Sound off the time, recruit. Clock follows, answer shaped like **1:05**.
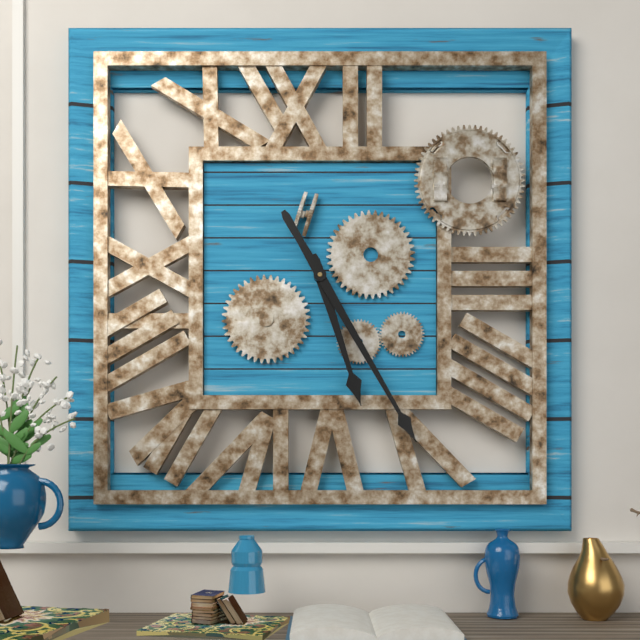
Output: **5:25**
